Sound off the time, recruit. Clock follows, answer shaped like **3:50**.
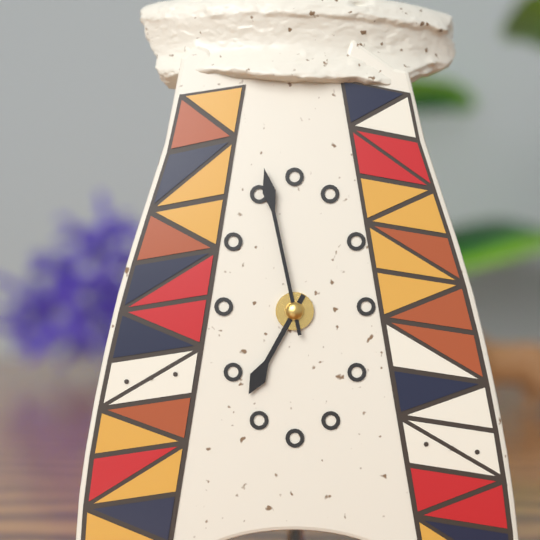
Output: **6:58**
